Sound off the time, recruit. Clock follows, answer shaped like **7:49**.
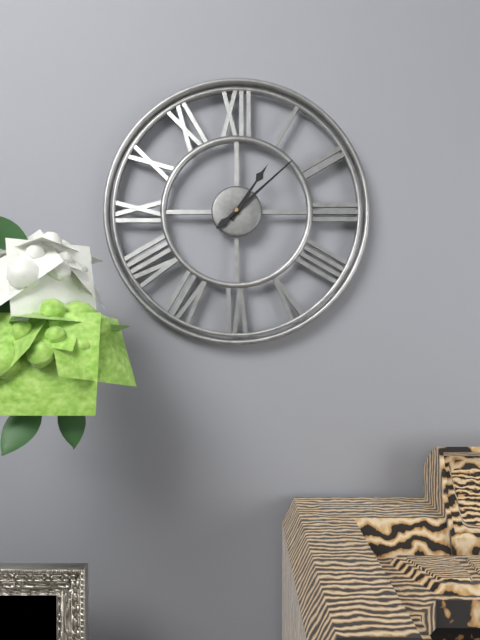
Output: **1:08**
